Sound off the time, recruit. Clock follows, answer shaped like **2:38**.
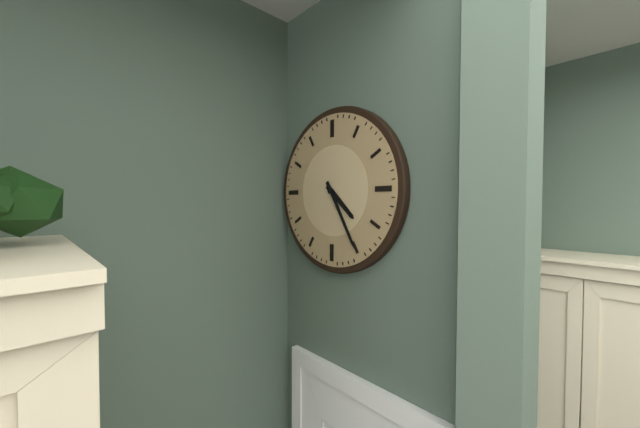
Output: **4:25**
